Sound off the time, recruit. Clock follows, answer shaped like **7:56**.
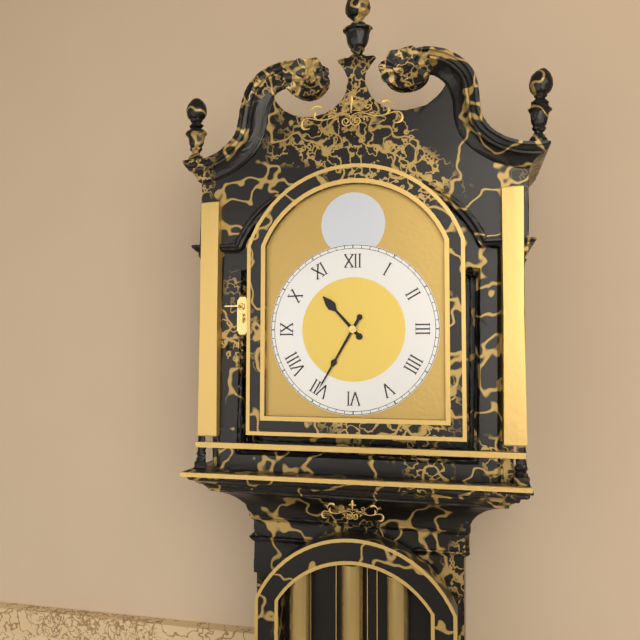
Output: **10:35**
